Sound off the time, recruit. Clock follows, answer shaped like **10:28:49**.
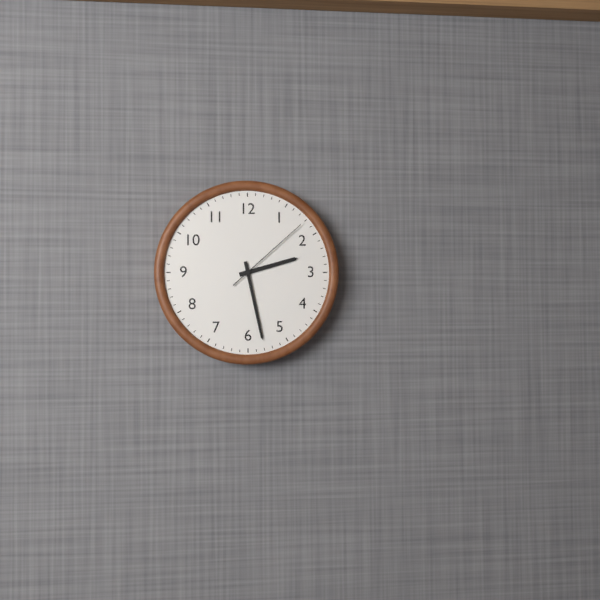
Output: **2:28:08**
